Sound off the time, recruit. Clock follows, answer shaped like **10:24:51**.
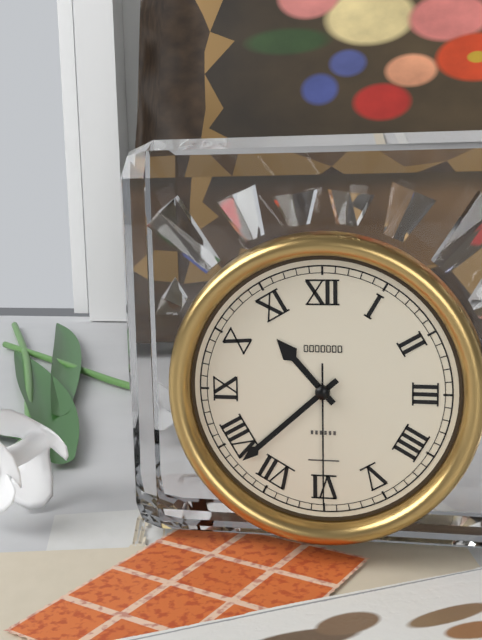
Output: **10:38:30**
